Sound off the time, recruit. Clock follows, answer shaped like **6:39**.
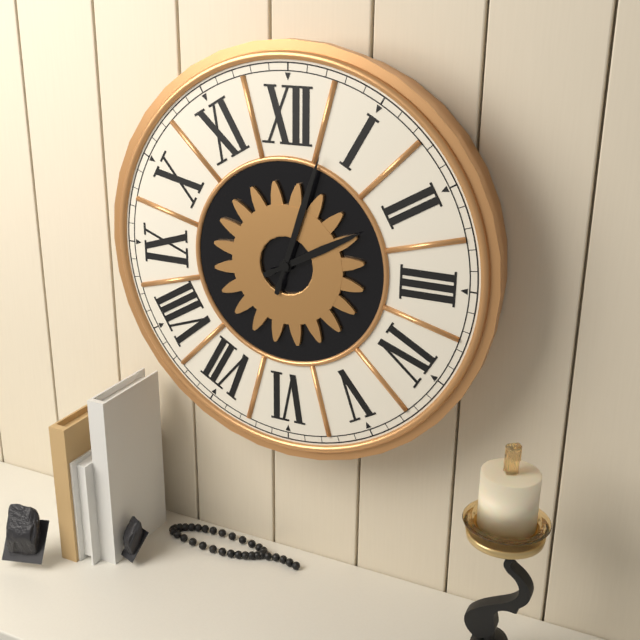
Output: **2:03**
